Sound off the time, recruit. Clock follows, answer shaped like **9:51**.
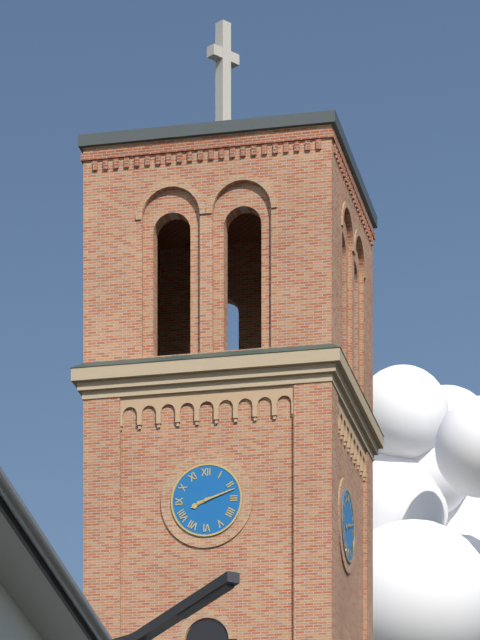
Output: **8:12**
